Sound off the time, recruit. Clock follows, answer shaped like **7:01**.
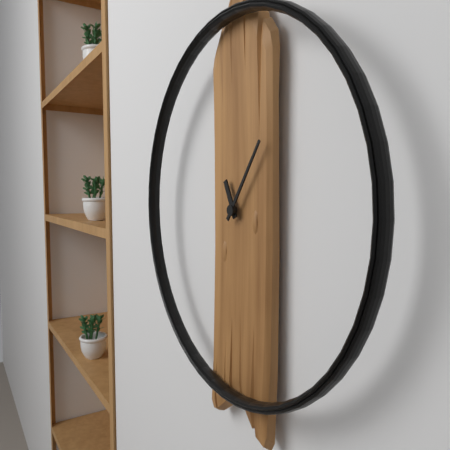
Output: **11:06**
